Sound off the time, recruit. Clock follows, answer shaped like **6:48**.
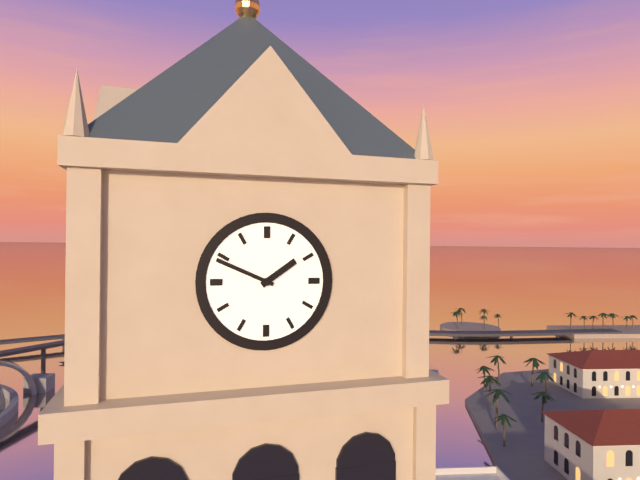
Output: **1:49**
